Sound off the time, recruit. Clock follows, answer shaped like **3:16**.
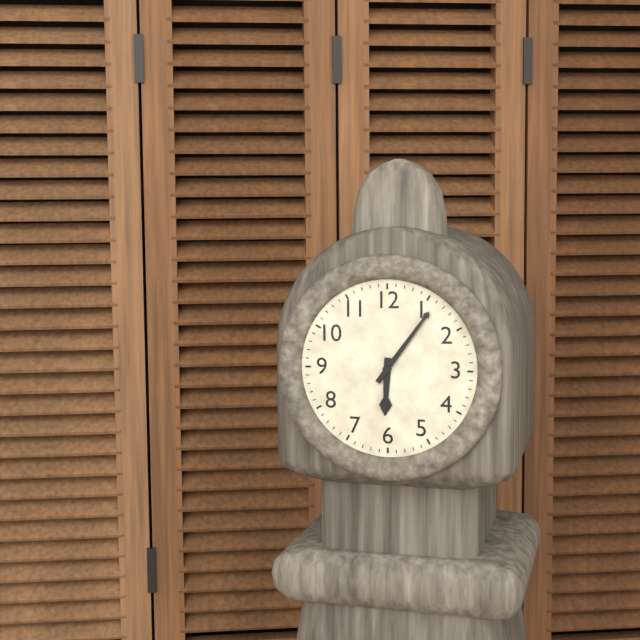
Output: **6:06**
